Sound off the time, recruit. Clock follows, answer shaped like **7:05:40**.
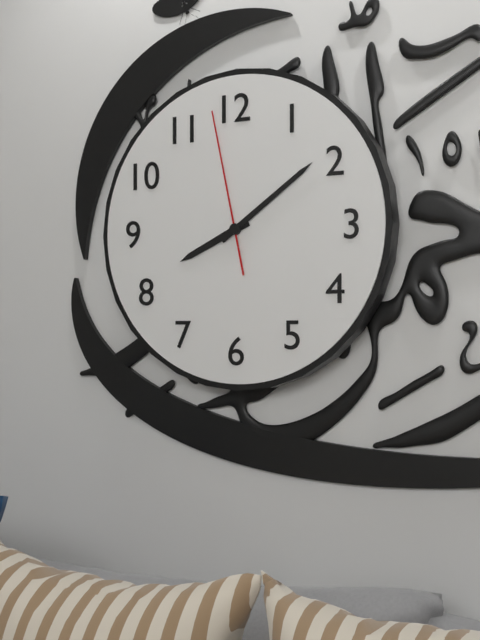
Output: **8:09:58**
